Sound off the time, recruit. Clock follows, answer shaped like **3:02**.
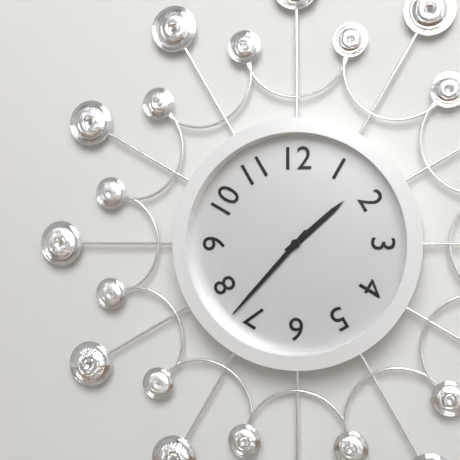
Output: **1:37**
